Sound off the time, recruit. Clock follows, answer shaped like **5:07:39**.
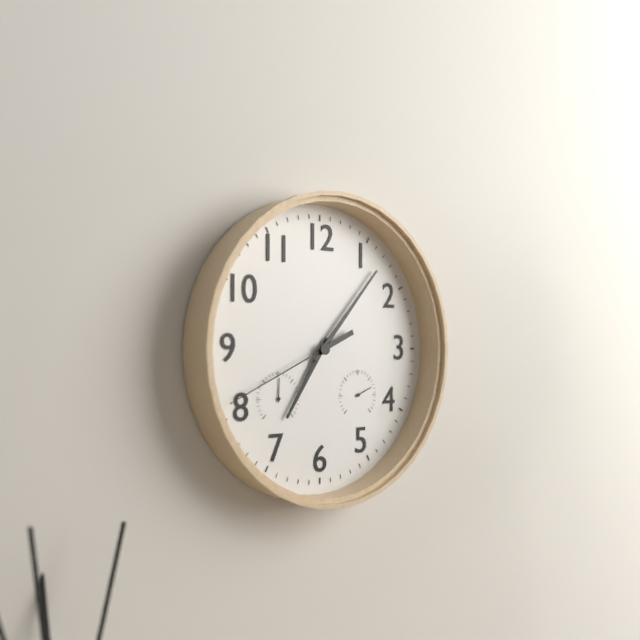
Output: **7:07:41**
